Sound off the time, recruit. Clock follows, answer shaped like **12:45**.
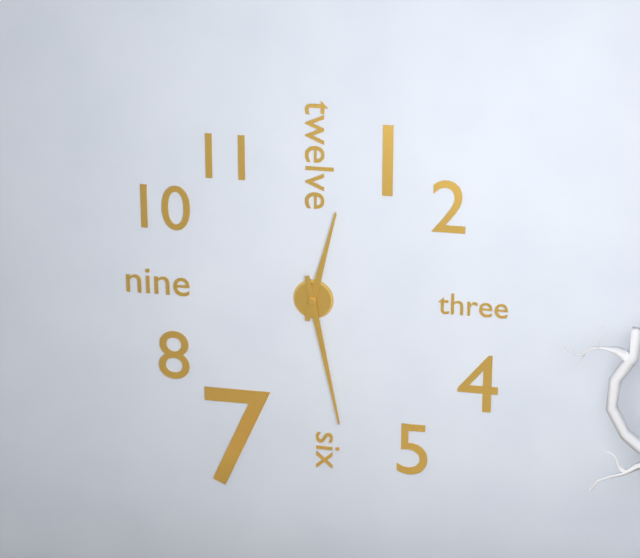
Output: **12:28**
